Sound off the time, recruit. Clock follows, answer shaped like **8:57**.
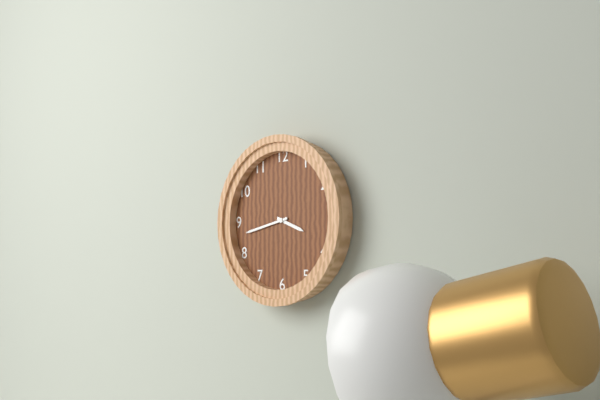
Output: **3:43**
